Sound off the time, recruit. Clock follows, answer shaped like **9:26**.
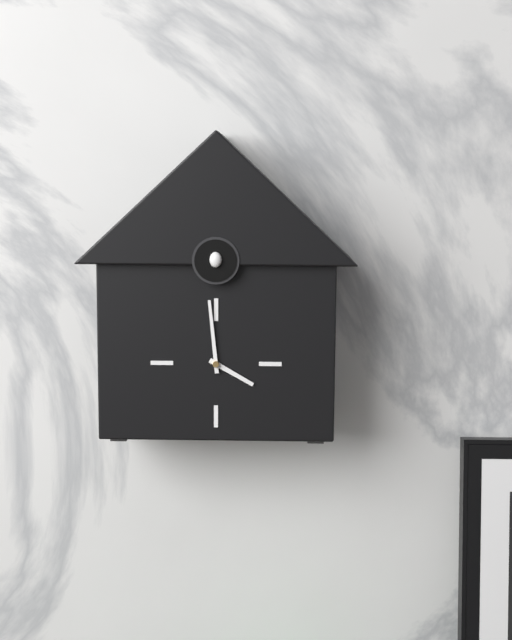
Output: **3:59**
